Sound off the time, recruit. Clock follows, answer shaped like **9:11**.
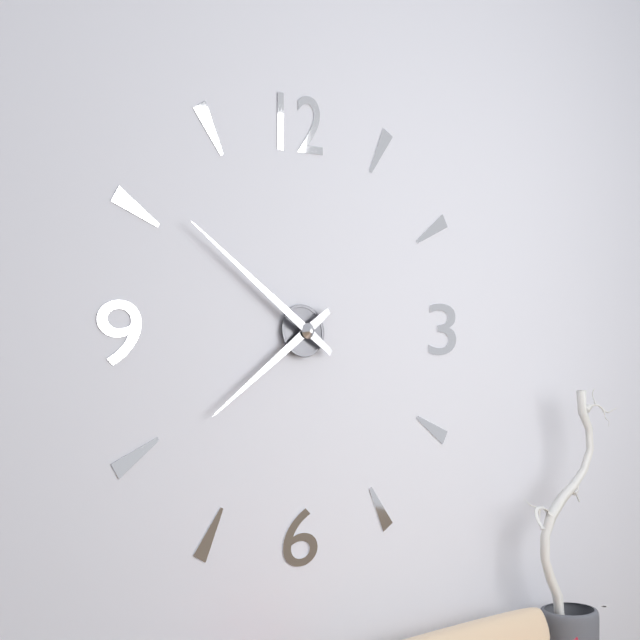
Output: **7:51**
